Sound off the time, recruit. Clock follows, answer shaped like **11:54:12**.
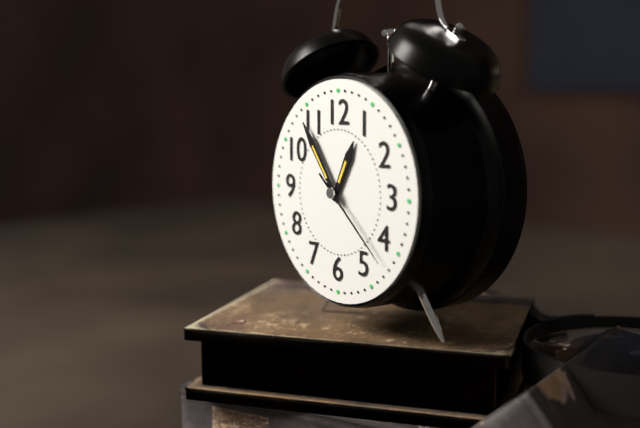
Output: **12:54:22**
